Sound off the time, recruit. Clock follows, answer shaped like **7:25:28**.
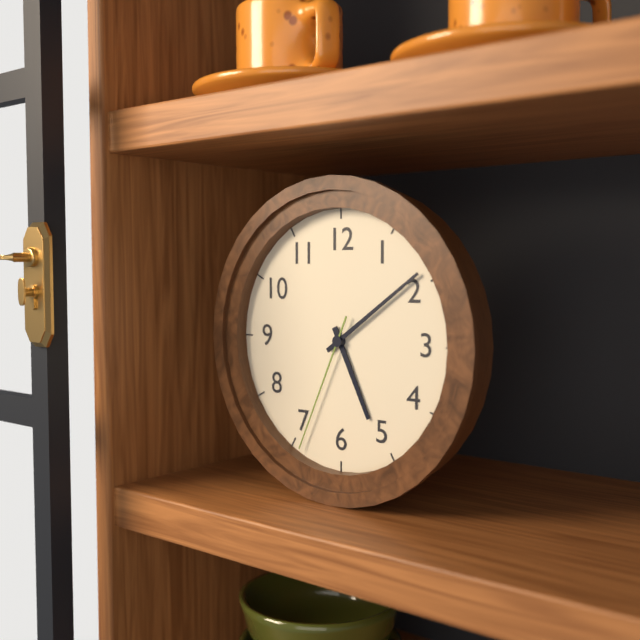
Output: **5:09:34**
